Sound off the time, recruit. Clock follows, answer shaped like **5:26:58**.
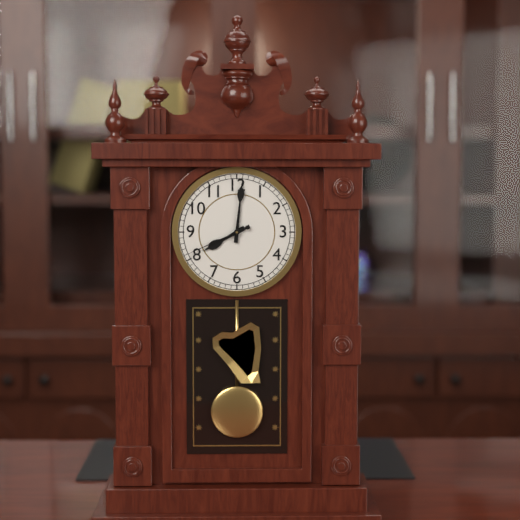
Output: **8:01:41**
